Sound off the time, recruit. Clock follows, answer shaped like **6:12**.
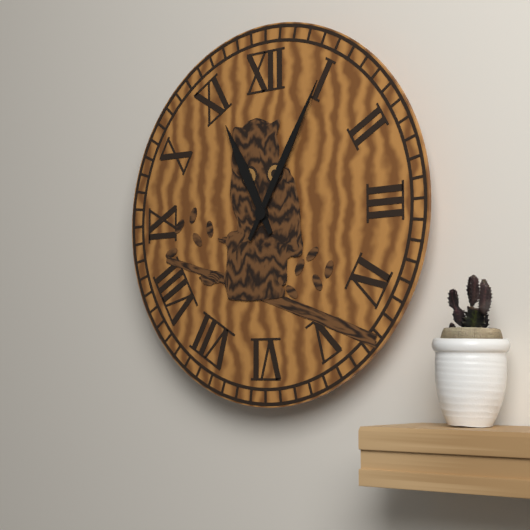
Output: **11:05**
